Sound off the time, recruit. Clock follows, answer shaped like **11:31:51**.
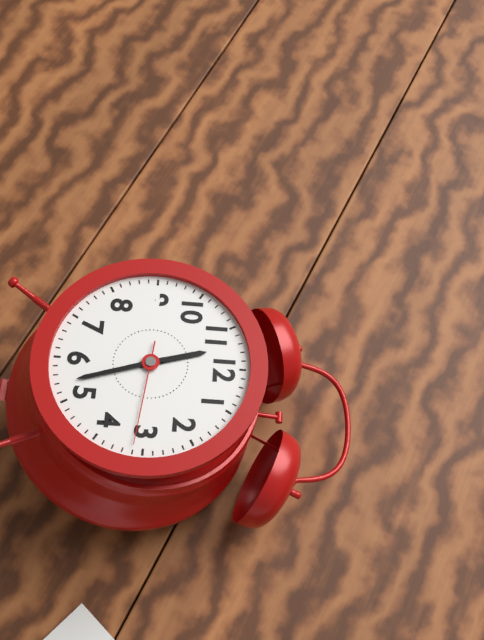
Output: **11:27:16**
